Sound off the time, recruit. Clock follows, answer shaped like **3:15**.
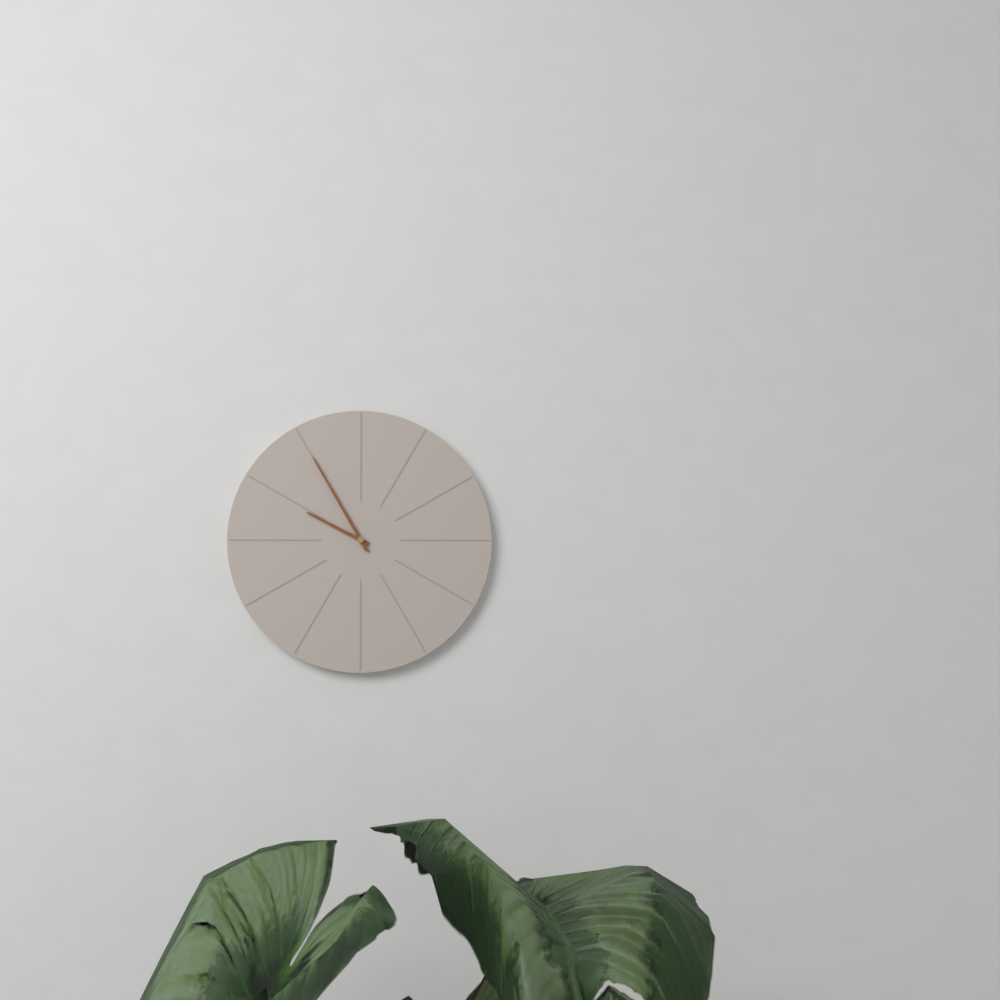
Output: **9:55**
